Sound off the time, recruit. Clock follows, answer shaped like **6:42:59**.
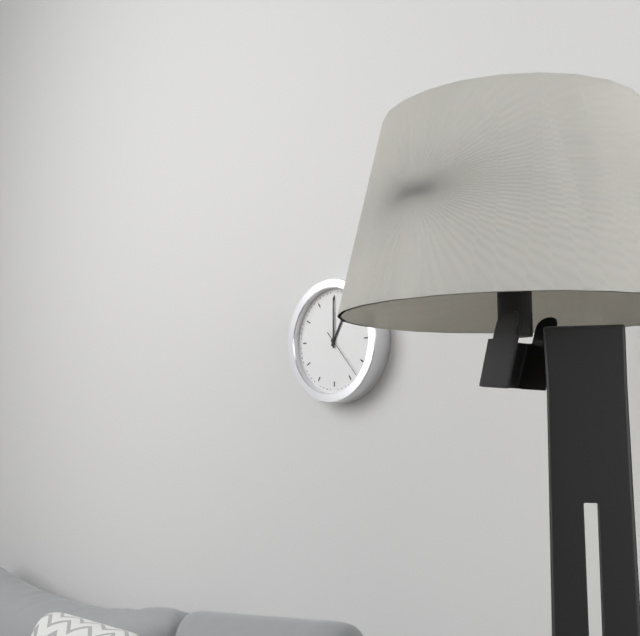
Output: **1:00:23**
